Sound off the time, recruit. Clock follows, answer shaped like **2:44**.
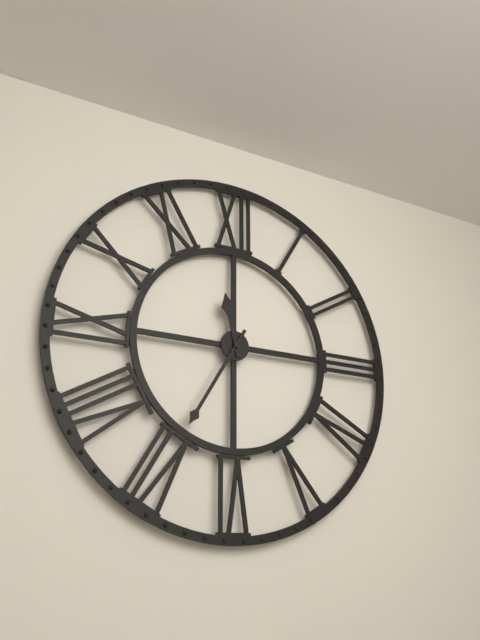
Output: **11:35**
